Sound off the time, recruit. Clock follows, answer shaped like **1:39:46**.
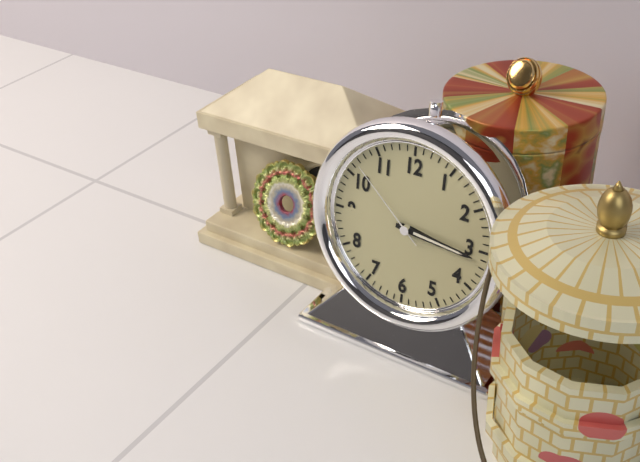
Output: **3:16:52**
